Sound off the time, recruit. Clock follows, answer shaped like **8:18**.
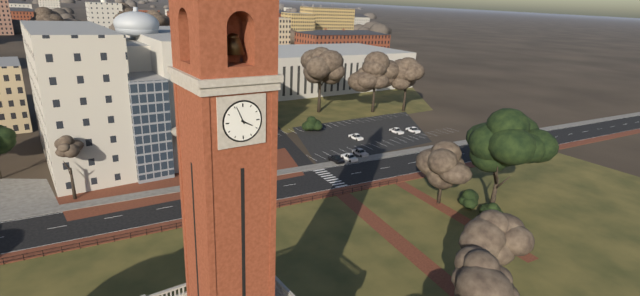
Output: **3:56**
